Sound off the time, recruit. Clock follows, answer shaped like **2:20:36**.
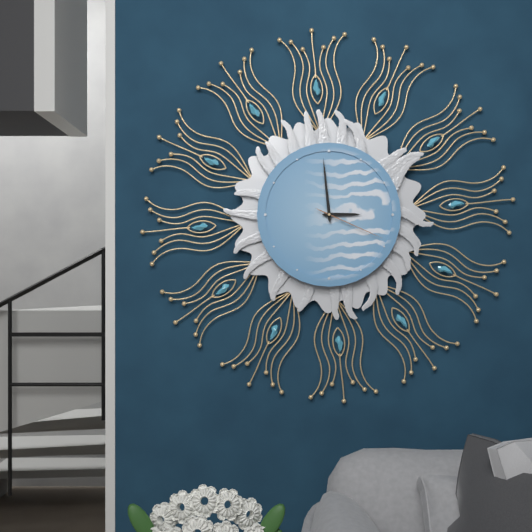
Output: **2:59:19**
